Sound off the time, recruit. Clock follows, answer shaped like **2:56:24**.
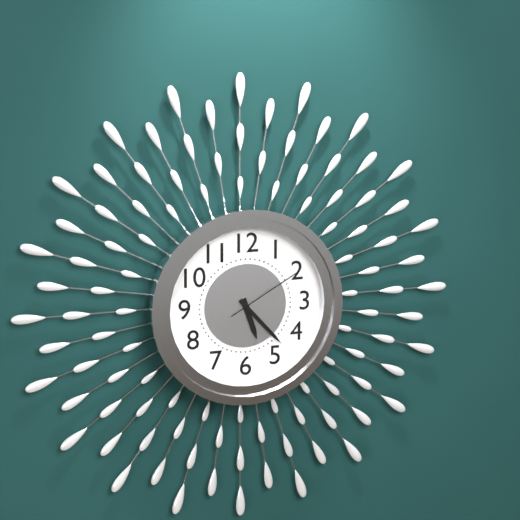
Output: **5:23:10**
